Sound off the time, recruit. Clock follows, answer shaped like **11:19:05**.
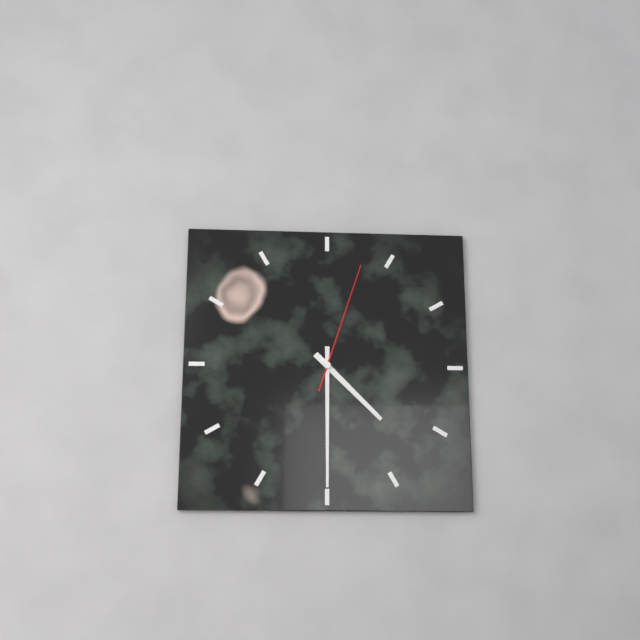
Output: **4:30:03**
